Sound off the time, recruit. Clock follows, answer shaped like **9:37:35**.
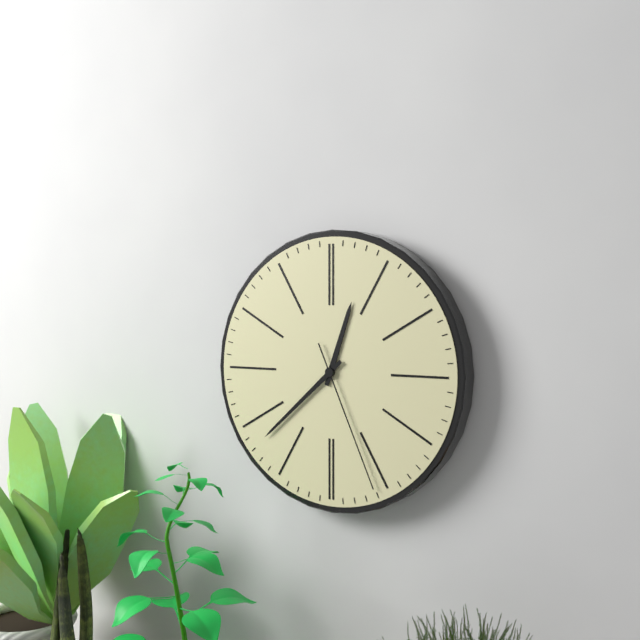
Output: **12:38:26**
